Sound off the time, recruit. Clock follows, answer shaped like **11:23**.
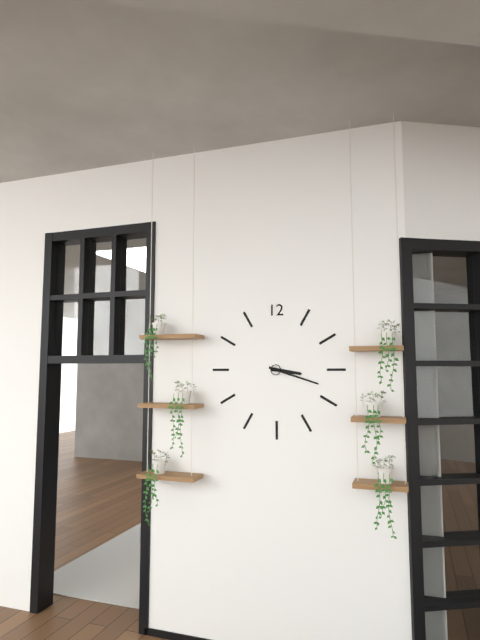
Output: **3:18**
